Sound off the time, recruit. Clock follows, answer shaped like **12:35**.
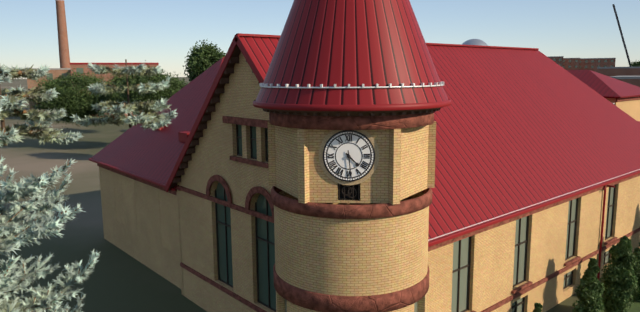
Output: **4:29**
